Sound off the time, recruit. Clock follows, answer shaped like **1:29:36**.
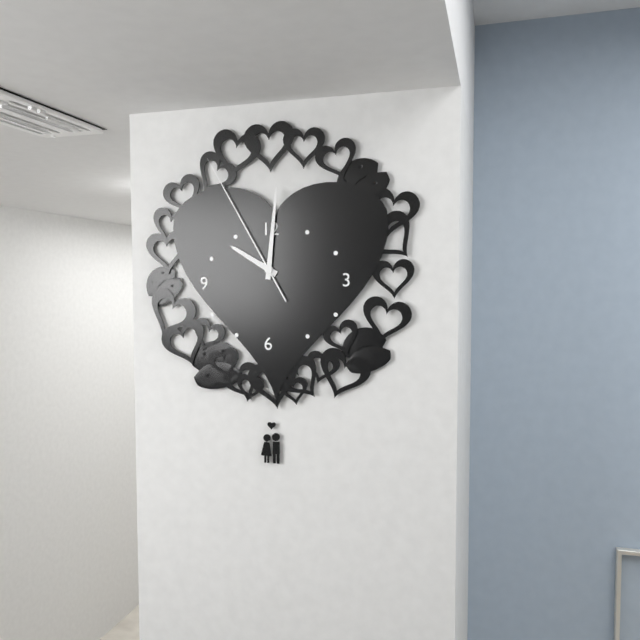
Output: **10:01:55**
